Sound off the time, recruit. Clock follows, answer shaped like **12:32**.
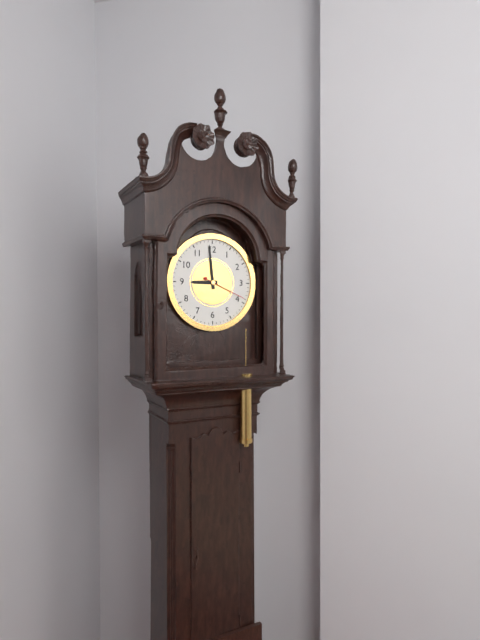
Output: **8:59**
